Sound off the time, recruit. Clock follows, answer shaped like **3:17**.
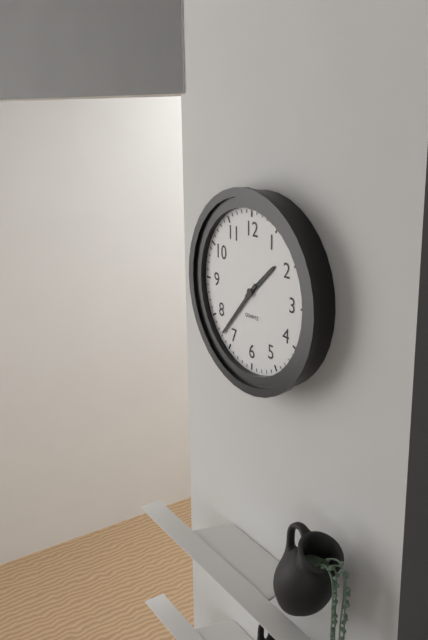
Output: **1:37**
